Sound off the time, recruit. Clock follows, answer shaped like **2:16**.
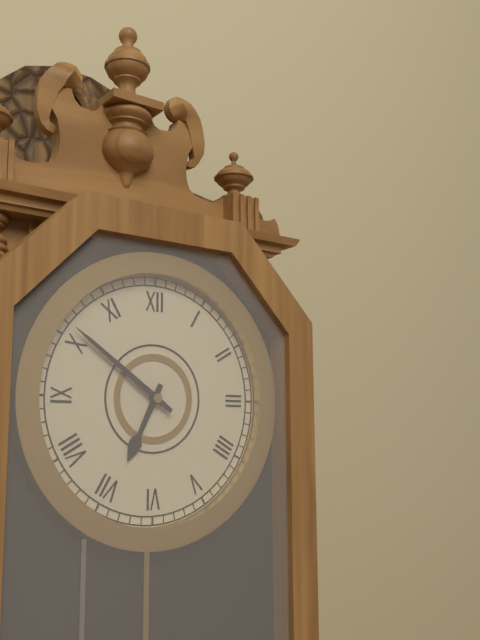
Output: **6:51**
